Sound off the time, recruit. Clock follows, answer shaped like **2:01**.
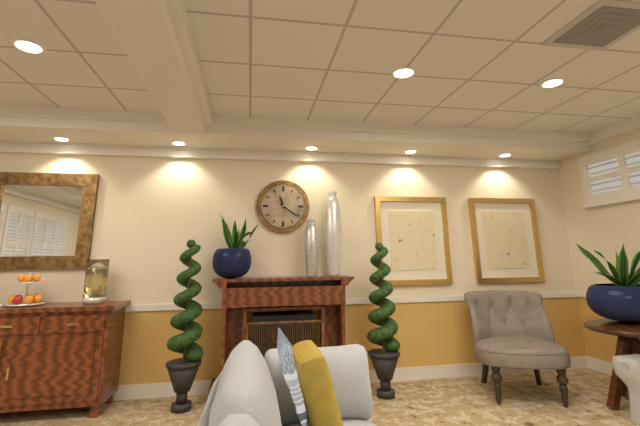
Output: **11:21**
